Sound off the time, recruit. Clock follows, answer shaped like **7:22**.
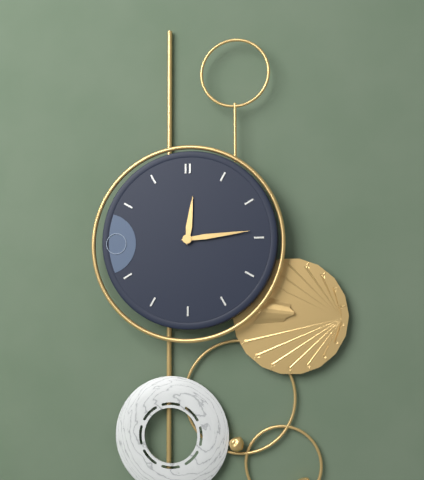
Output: **12:14**
